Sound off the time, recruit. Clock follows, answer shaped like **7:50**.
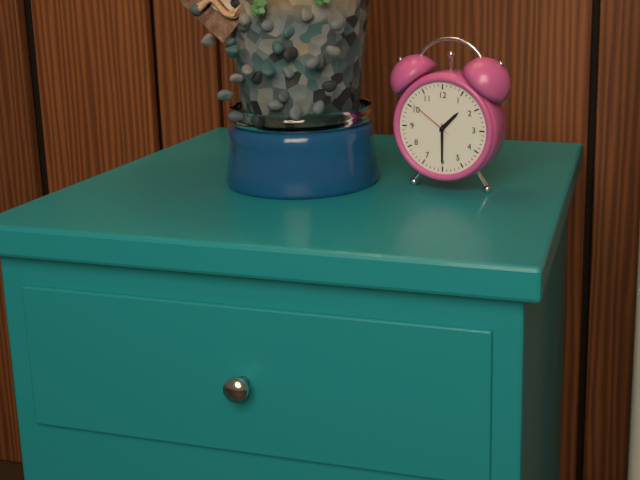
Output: **1:30**
